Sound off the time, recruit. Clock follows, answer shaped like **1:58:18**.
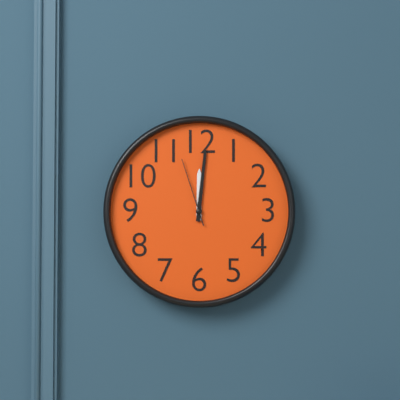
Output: **12:01:57**
